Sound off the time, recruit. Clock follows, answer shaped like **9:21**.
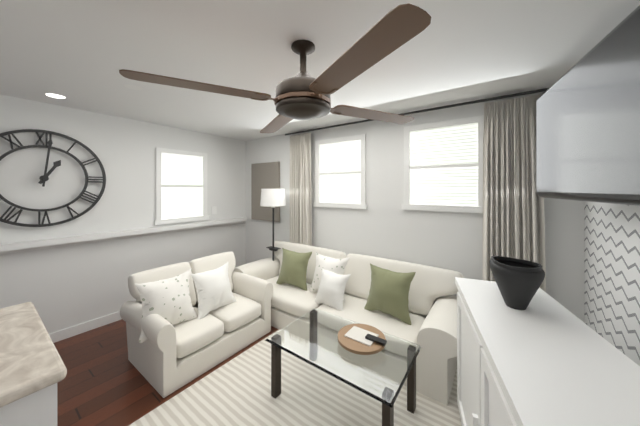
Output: **1:01**
